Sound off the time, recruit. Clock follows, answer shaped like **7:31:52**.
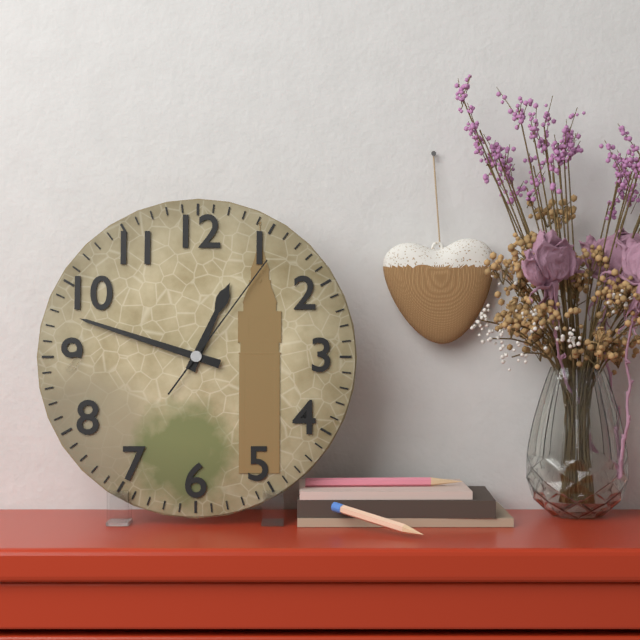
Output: **12:48:06**
